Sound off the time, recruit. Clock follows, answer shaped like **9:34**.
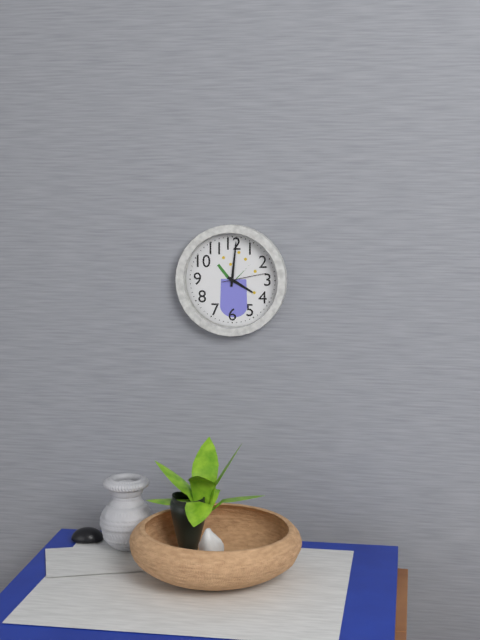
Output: **4:01**
